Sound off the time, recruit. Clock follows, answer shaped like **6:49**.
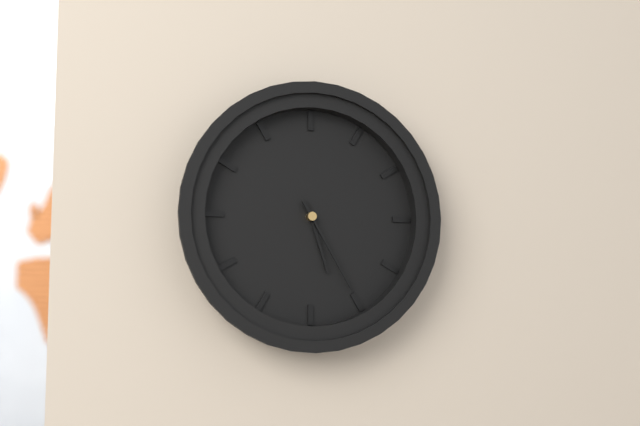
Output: **5:25**
